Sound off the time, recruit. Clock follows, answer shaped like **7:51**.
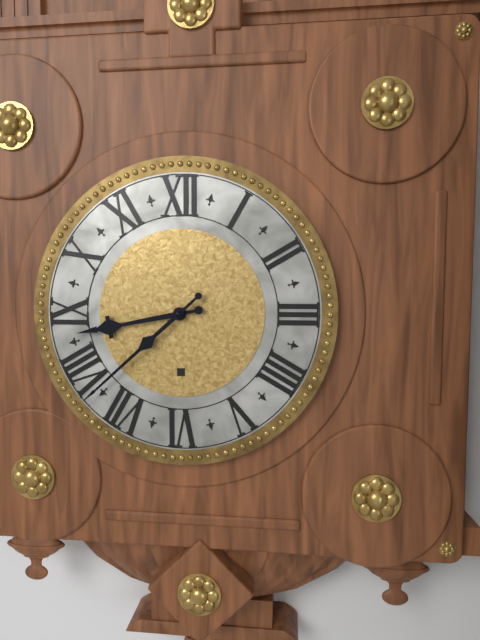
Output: **8:38**
